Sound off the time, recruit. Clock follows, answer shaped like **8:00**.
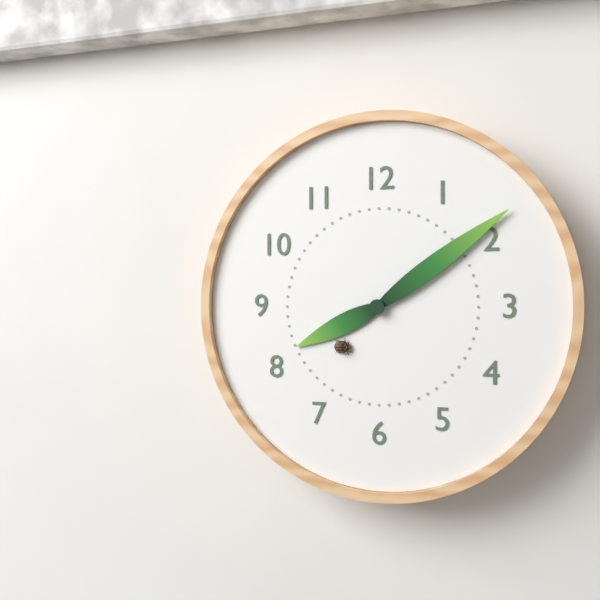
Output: **8:09**
